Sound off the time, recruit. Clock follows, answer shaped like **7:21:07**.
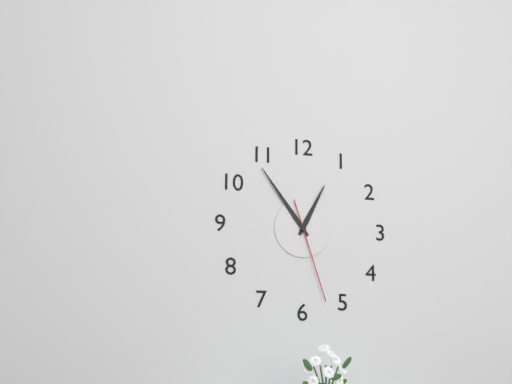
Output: **12:54:27**
